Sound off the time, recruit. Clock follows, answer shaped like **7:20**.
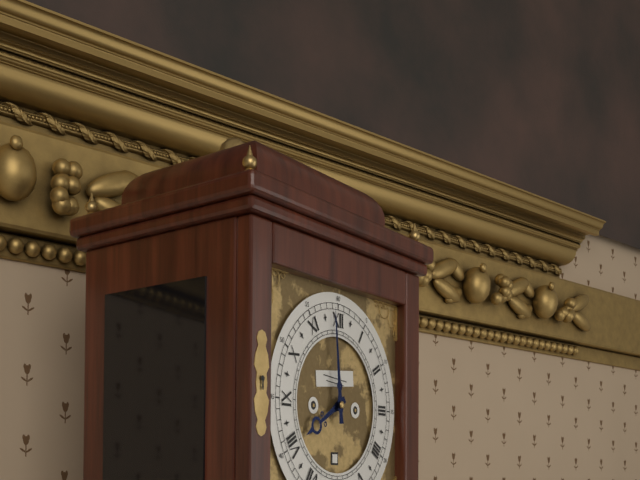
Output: **7:59**
